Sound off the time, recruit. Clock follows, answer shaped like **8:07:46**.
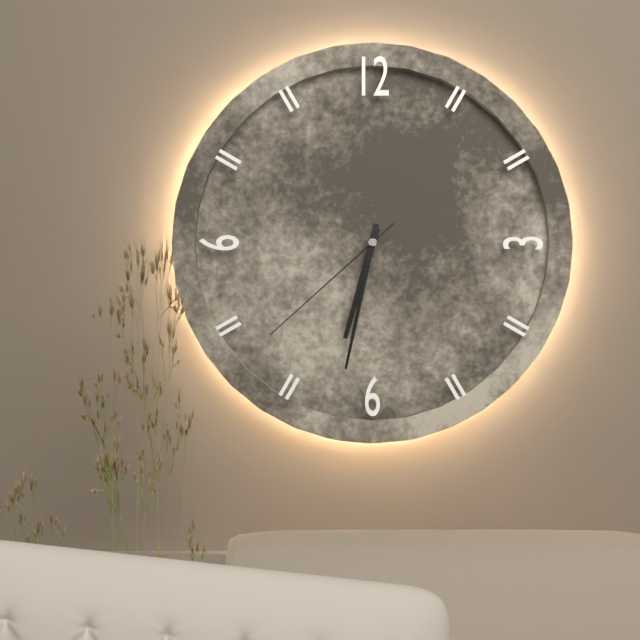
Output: **6:32:38**
